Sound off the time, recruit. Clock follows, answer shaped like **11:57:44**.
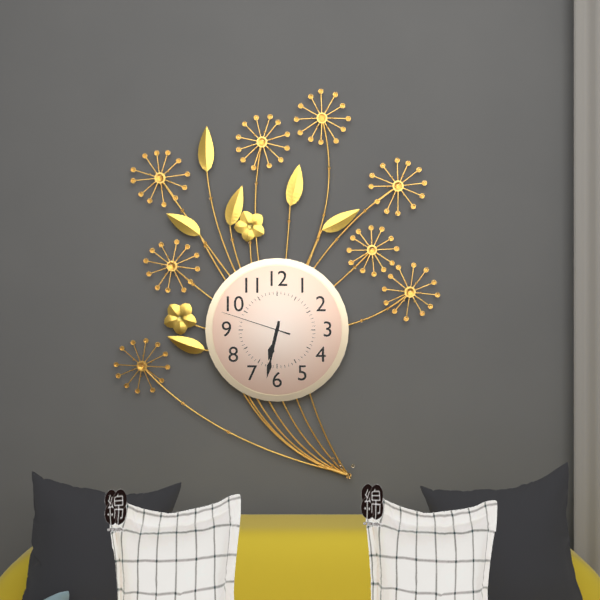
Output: **6:32:48**
